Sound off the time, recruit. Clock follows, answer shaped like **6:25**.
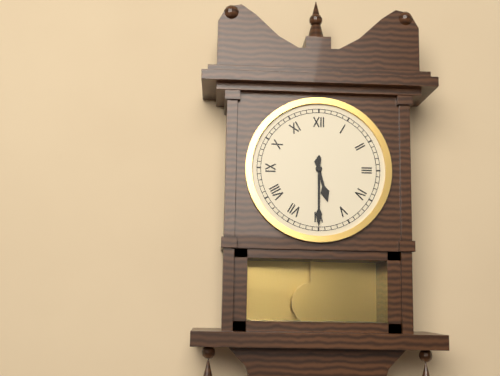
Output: **5:30**
